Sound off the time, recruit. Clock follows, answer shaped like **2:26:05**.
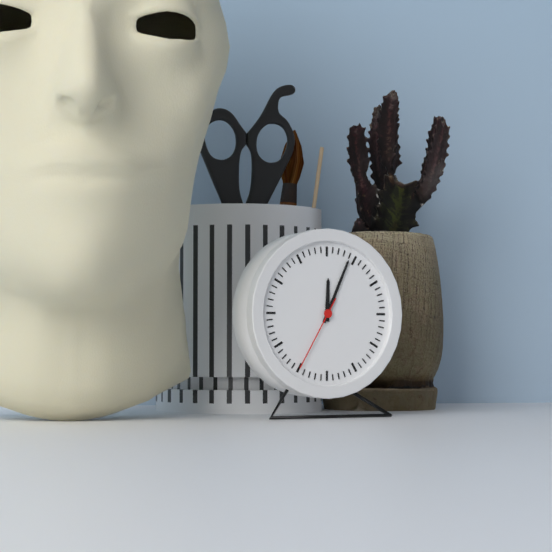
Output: **12:04:35**
